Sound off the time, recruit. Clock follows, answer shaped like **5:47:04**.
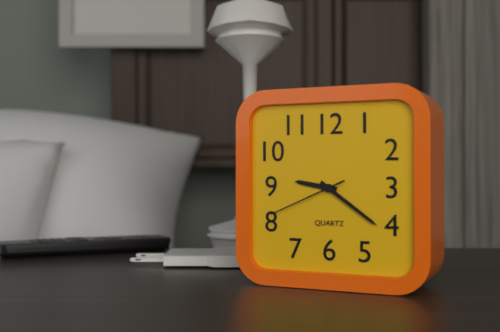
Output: **9:21:41**
